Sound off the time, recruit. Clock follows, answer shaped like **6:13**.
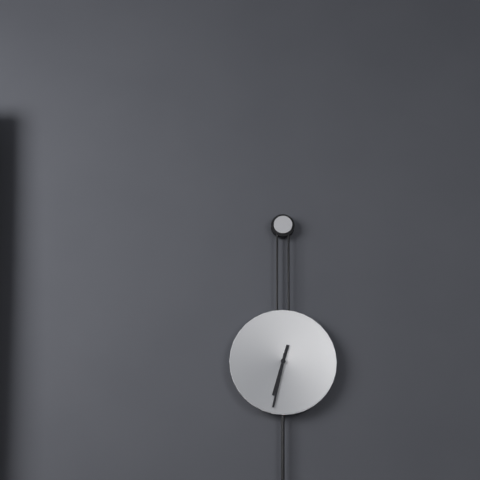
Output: **6:32**
